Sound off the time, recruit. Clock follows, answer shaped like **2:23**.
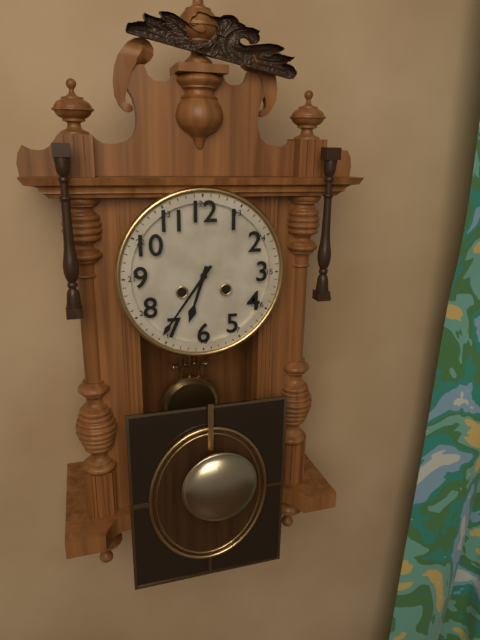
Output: **6:36**
